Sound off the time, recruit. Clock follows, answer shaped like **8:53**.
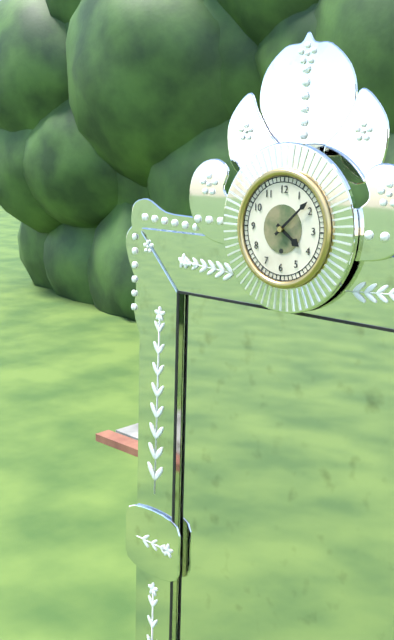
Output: **4:08**
